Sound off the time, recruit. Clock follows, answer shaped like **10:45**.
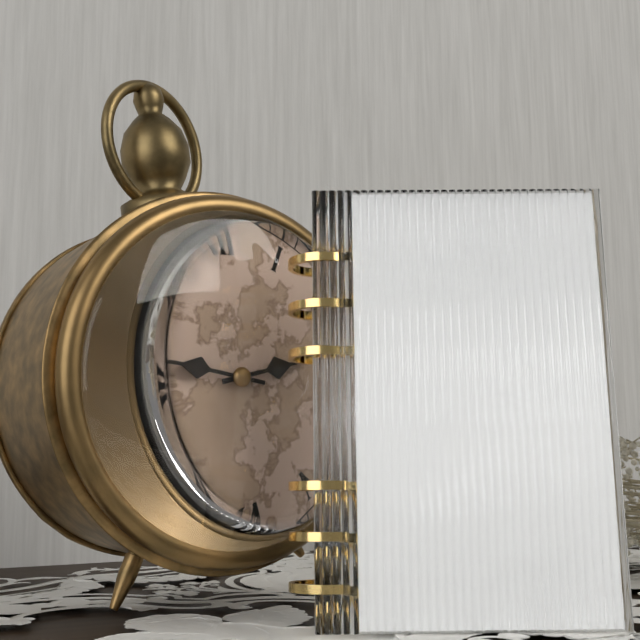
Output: **2:48**
